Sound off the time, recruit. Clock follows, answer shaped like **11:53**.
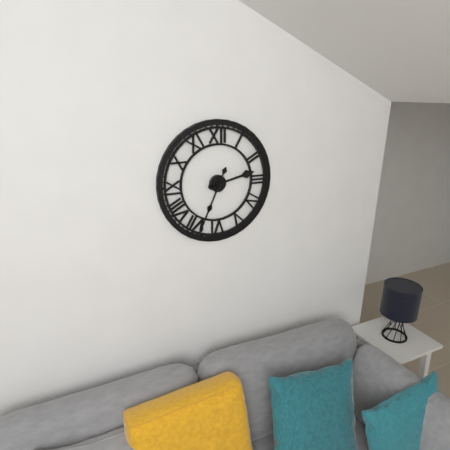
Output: **2:34**
